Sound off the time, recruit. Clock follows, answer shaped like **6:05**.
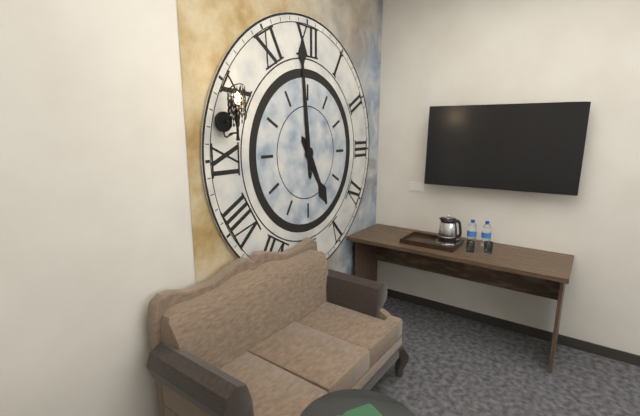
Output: **4:59**
